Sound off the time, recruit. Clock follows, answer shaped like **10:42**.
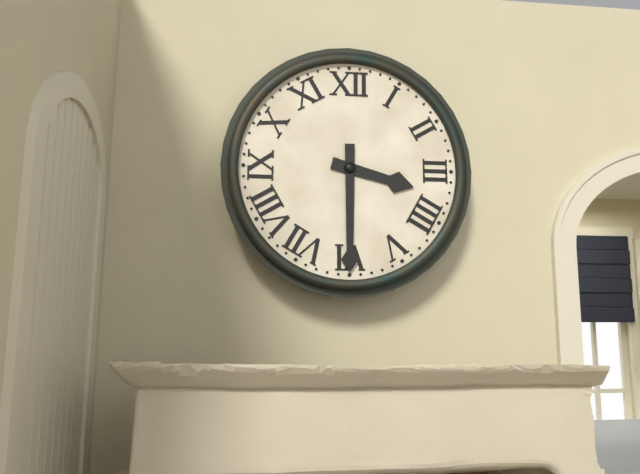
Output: **3:30**
